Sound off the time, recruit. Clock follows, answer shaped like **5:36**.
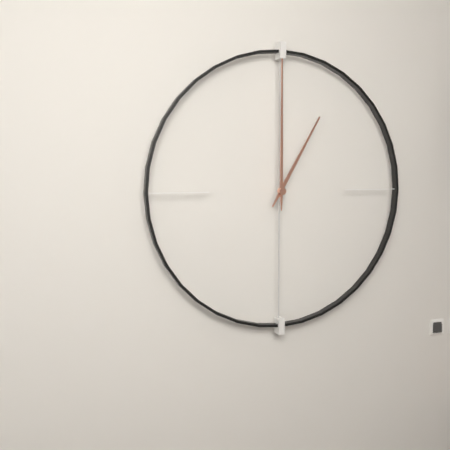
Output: **1:00**
